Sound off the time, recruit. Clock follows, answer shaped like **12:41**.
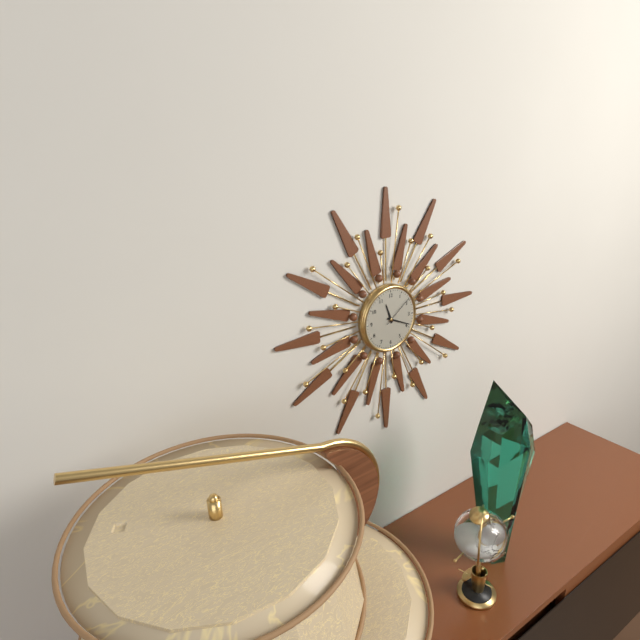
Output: **11:19**
